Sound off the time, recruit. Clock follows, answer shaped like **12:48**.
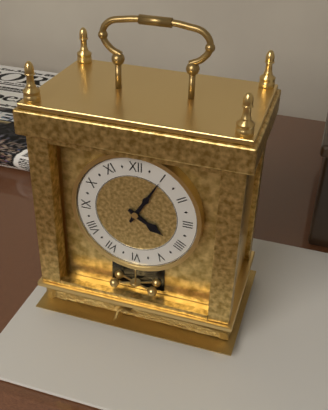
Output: **4:05**
